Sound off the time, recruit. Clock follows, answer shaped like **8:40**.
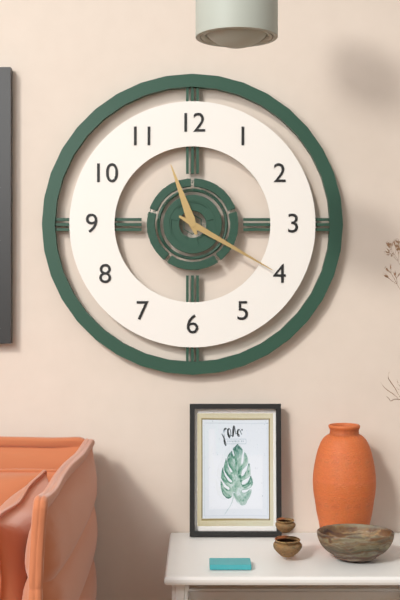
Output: **11:20**
